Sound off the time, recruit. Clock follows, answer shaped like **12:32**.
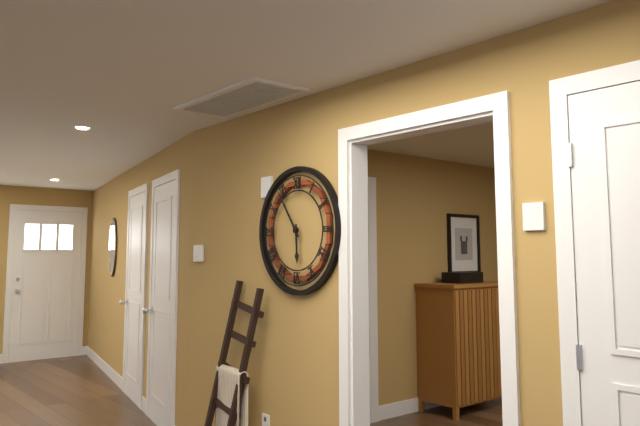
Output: **5:54**
